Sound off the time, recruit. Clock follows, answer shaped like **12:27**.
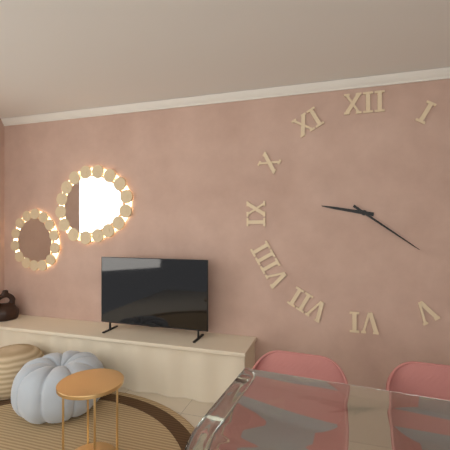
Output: **9:21**
